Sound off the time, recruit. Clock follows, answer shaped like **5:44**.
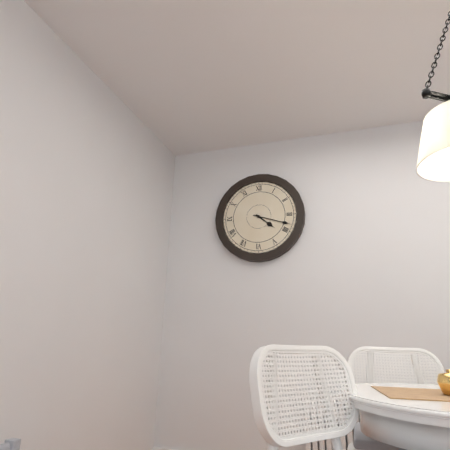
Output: **4:18**
